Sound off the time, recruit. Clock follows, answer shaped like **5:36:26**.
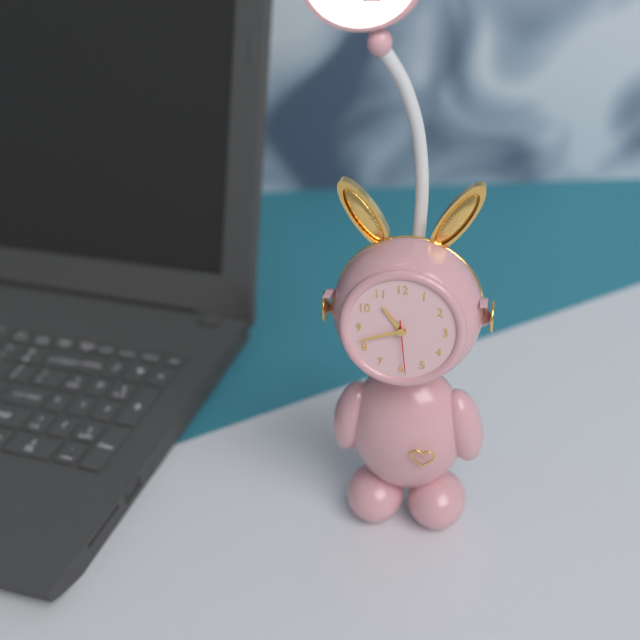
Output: **10:42:29**
